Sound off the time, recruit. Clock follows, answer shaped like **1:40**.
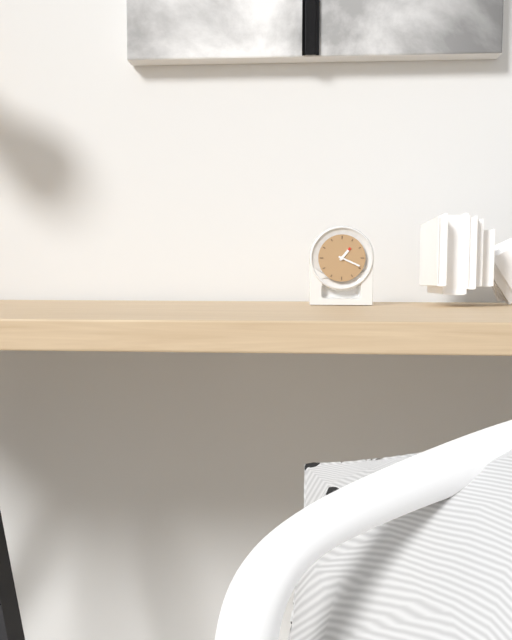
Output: **1:19**
